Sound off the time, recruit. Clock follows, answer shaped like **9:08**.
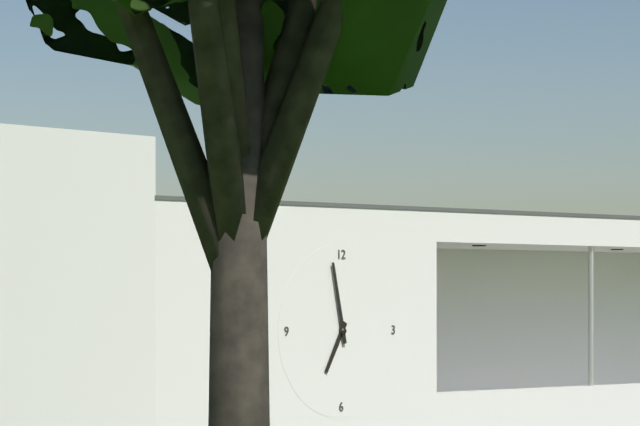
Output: **6:58**
